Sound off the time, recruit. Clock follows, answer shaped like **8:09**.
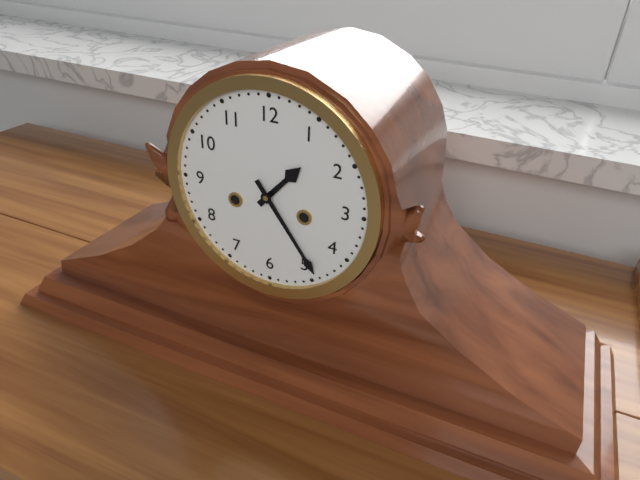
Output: **1:24**
